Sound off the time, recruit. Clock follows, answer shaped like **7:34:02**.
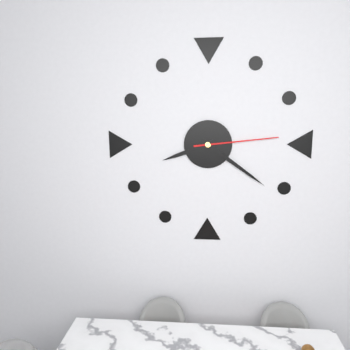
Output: **8:21:14**
